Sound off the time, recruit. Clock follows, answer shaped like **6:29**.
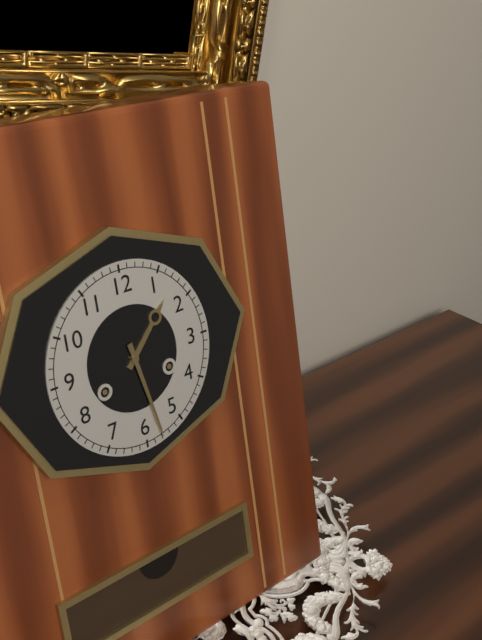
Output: **1:28**
